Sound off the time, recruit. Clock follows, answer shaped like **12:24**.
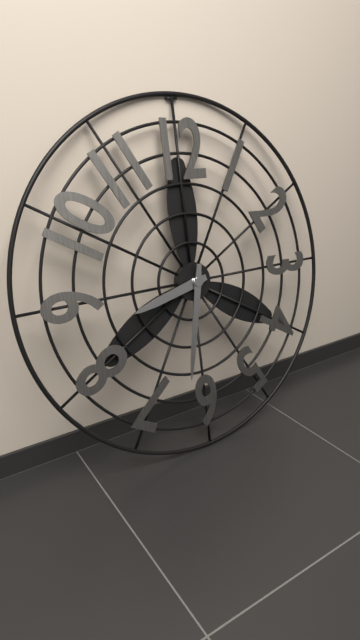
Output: **8:32**
